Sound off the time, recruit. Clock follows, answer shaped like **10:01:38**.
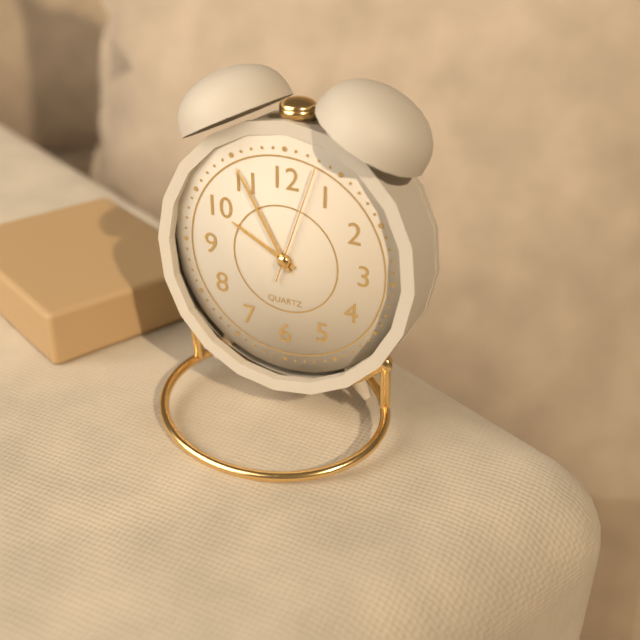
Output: **9:55:03**
